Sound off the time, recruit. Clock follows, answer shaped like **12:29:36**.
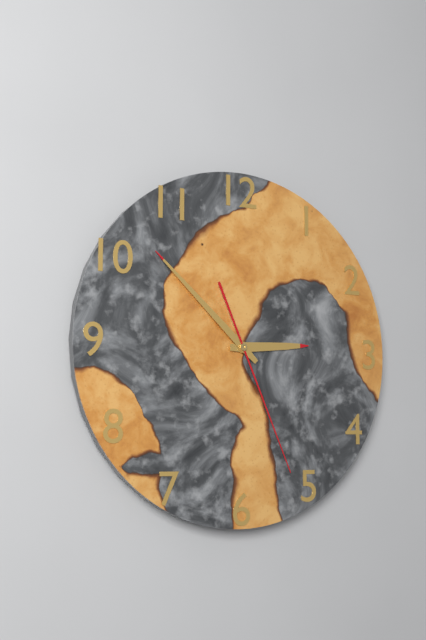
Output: **2:52:26**
